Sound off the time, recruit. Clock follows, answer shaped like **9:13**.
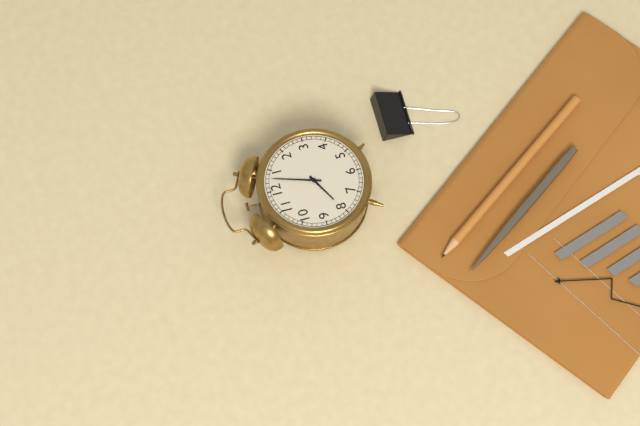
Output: **8:03**
